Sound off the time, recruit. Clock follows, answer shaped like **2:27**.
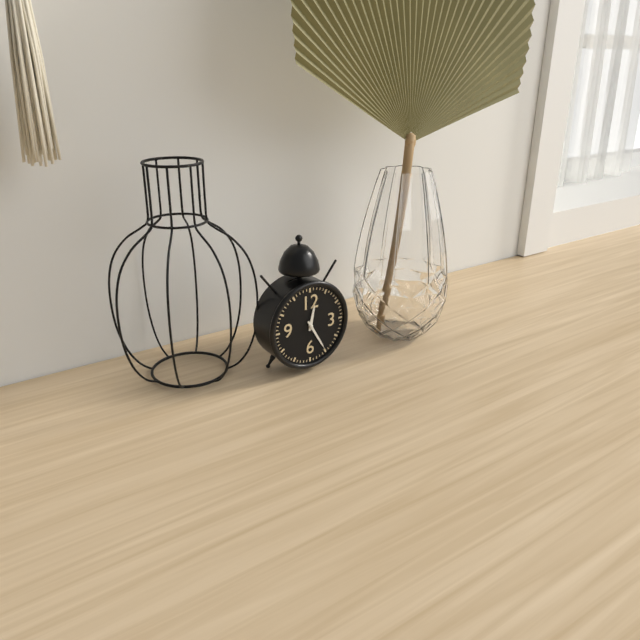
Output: **12:25**
